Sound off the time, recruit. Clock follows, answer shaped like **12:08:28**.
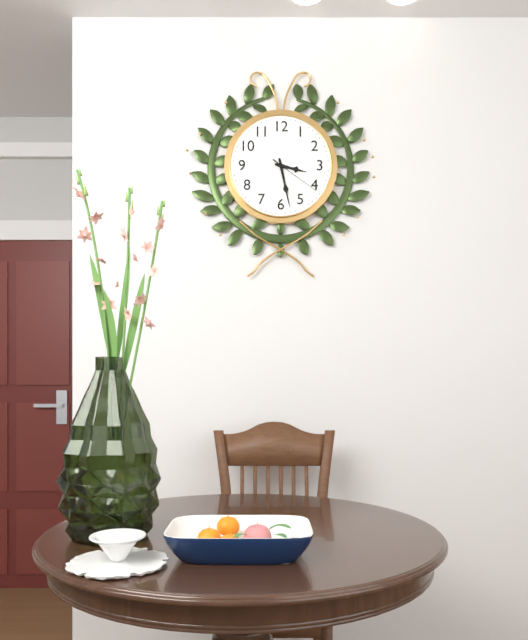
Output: **3:28:21**
